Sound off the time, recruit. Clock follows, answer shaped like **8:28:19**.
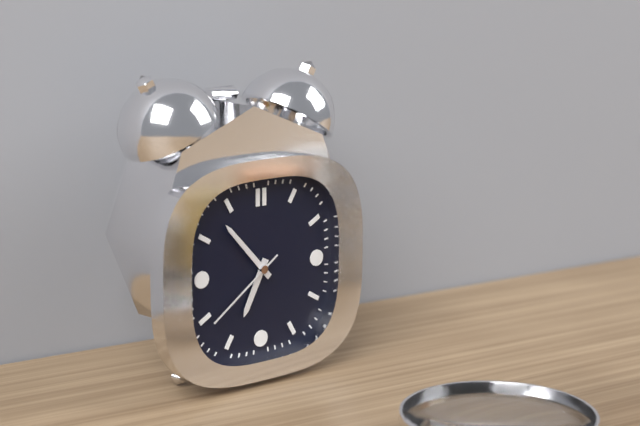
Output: **6:53:39**
